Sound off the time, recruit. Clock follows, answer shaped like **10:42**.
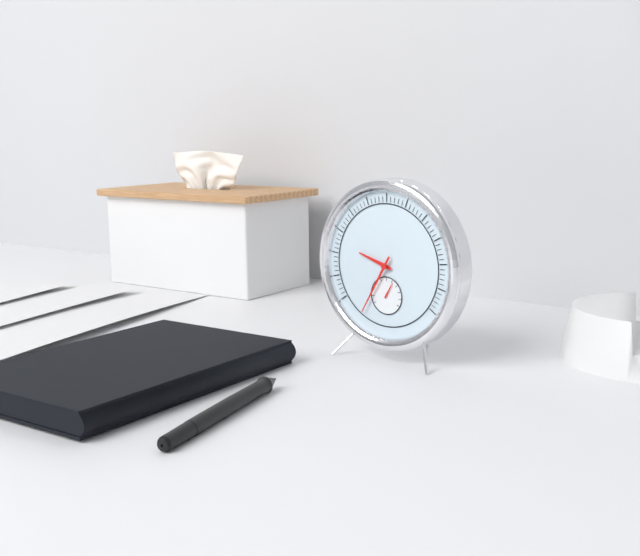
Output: **9:35**
